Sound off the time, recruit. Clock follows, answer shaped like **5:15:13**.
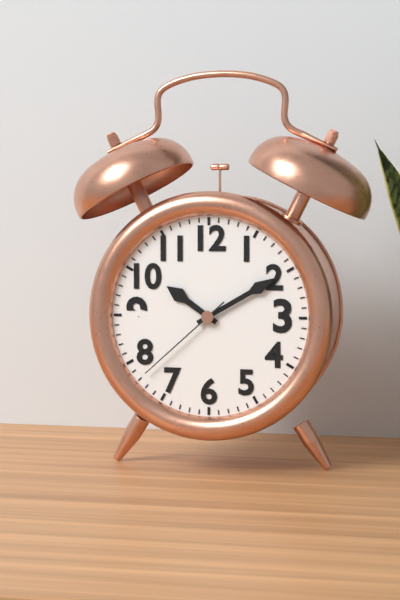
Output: **10:10:38**
